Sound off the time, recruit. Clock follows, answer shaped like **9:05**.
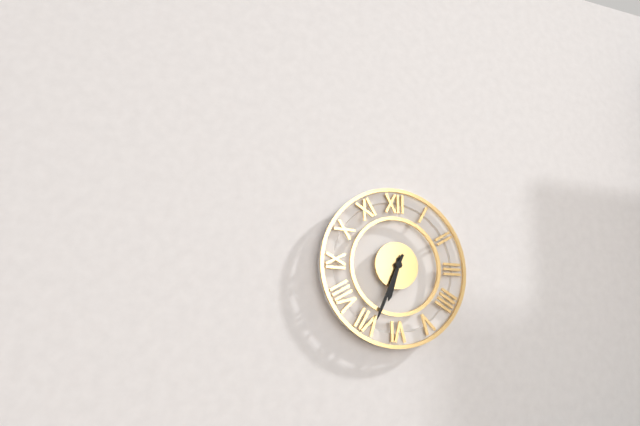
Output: **6:34**
